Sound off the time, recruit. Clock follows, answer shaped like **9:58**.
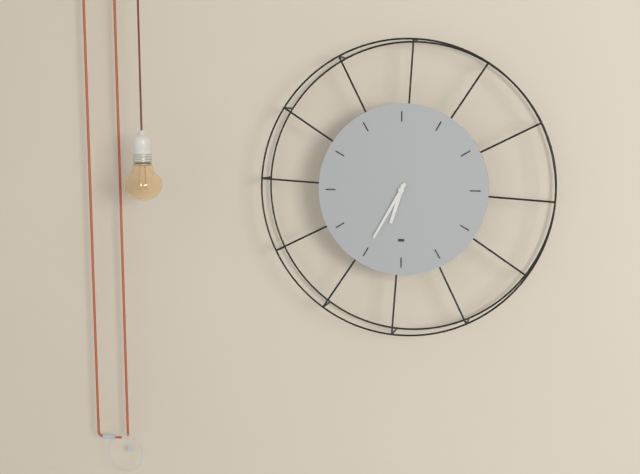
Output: **6:35**
